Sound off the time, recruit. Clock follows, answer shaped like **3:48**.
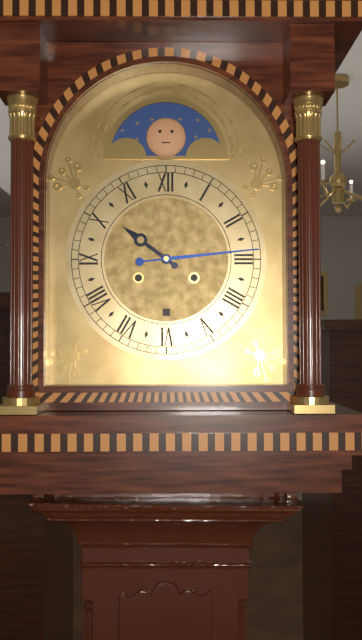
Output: **10:14**
